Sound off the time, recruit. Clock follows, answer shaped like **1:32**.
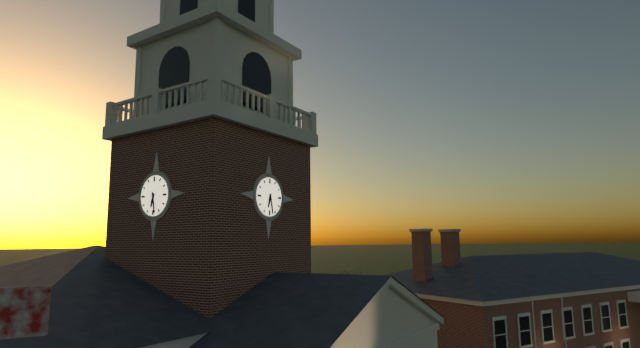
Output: **6:28**
